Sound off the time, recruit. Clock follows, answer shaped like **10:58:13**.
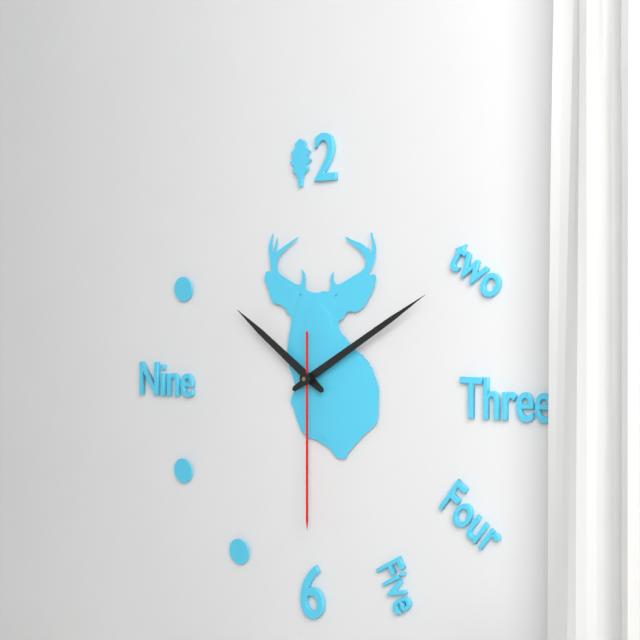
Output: **10:10:30**
